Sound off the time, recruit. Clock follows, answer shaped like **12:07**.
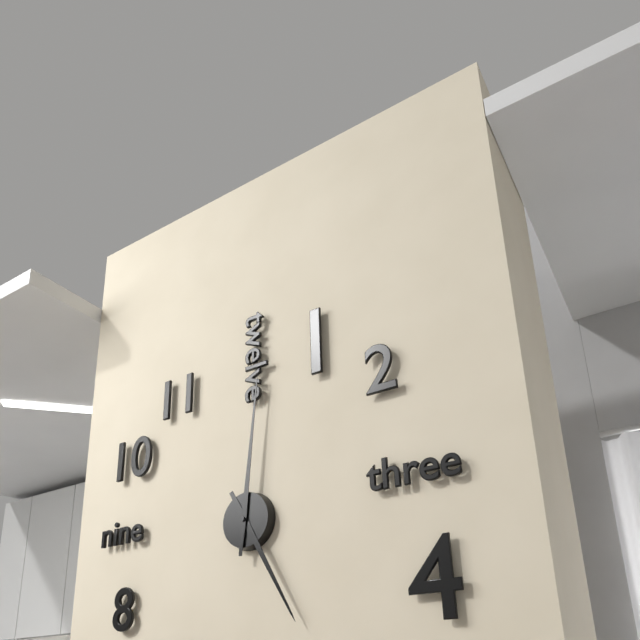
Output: **5:01**
